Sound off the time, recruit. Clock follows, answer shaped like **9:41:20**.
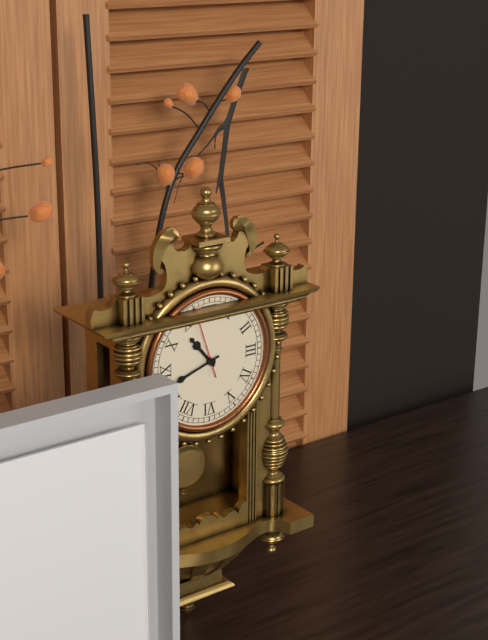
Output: **10:42:57**
